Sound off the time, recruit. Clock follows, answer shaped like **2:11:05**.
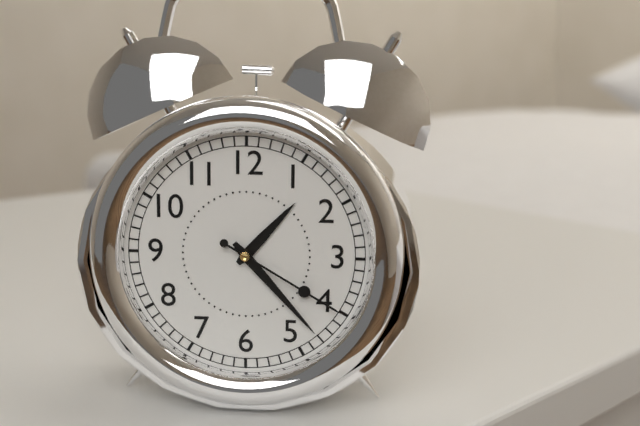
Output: **1:23:20**
